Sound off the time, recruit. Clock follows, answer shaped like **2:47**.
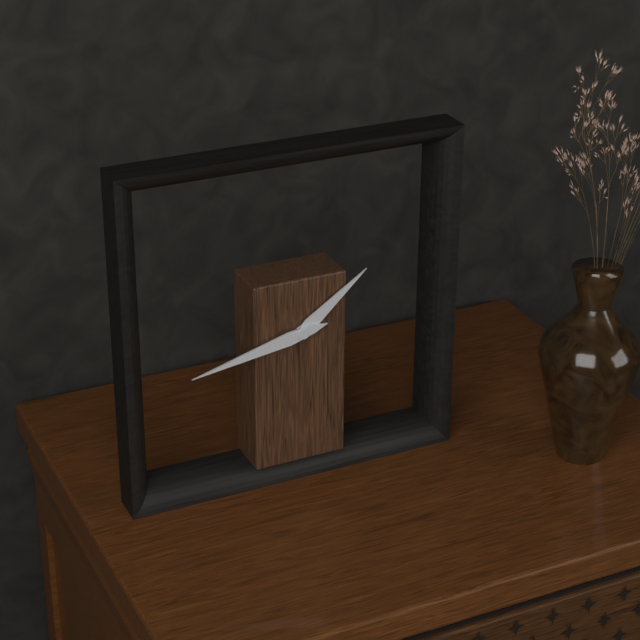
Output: **1:43**
